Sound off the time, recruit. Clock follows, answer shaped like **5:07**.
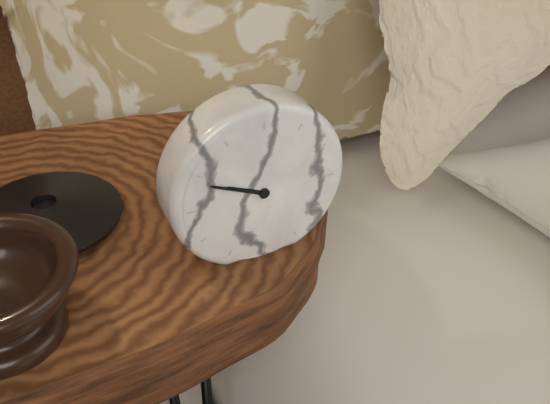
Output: **9:49**
